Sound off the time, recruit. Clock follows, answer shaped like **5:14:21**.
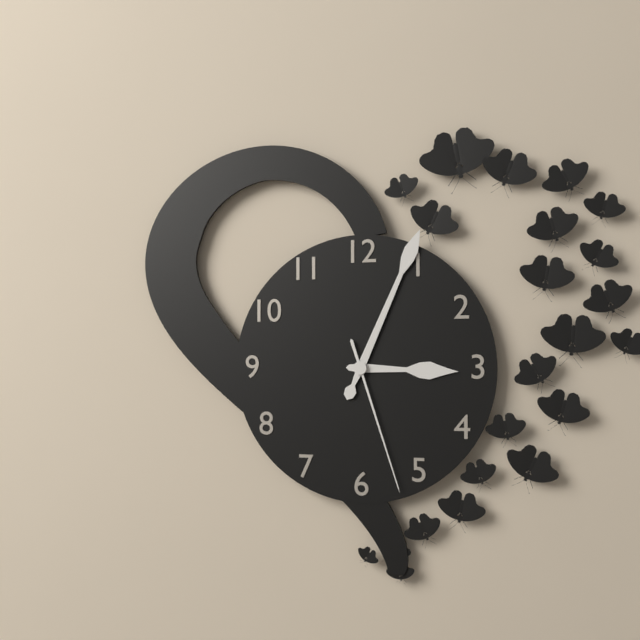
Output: **3:04:27**
